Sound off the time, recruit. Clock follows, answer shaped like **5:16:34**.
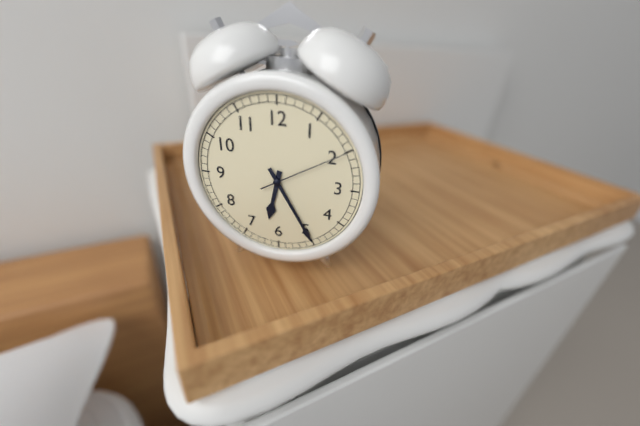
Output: **6:25:10**
